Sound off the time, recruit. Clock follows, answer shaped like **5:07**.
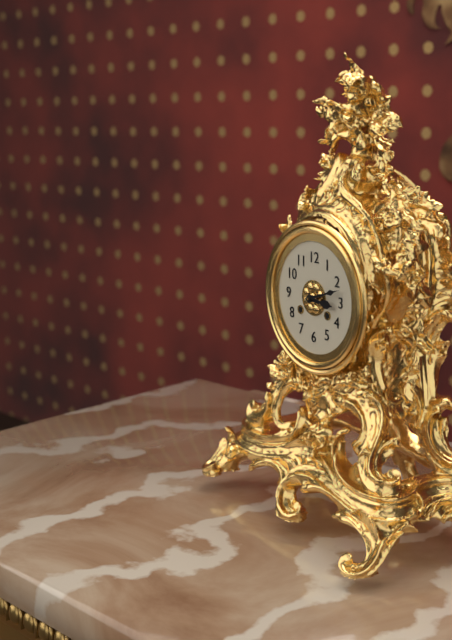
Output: **3:12**
